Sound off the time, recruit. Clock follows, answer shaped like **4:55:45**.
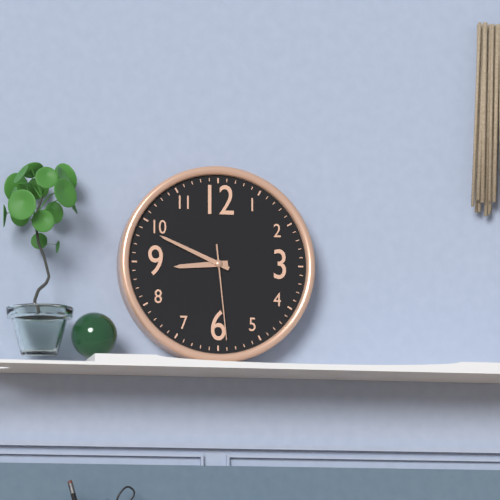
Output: **8:49:29**
